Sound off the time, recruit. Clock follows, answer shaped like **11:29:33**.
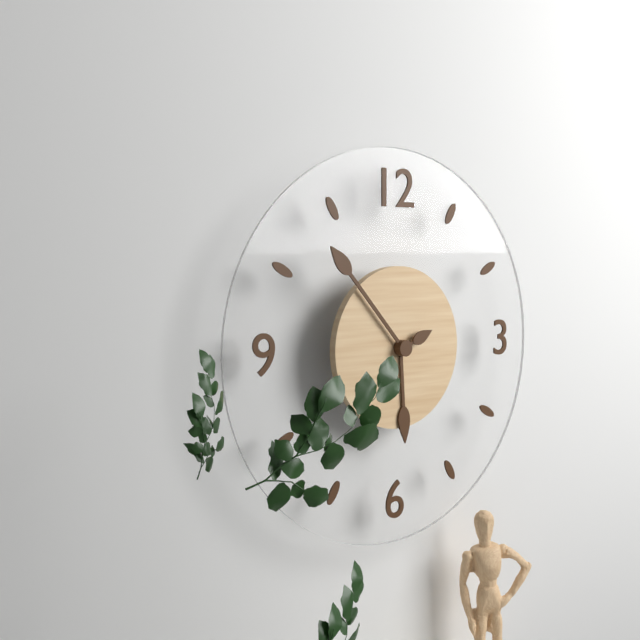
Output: **5:53:11**
